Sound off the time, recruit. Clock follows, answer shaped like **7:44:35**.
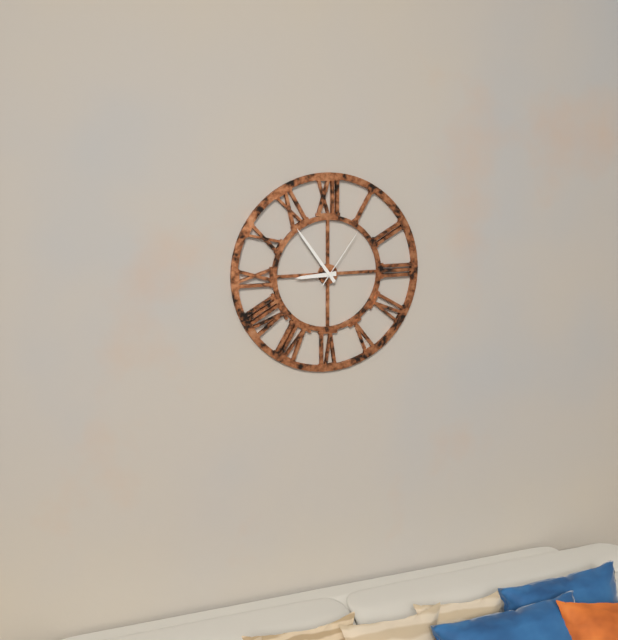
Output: **8:54:06**
